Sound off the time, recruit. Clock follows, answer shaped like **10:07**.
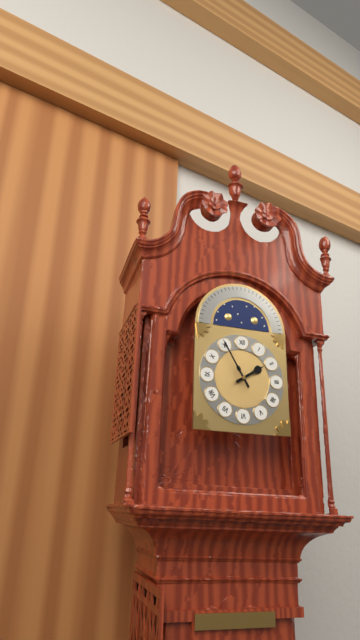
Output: **1:55**
